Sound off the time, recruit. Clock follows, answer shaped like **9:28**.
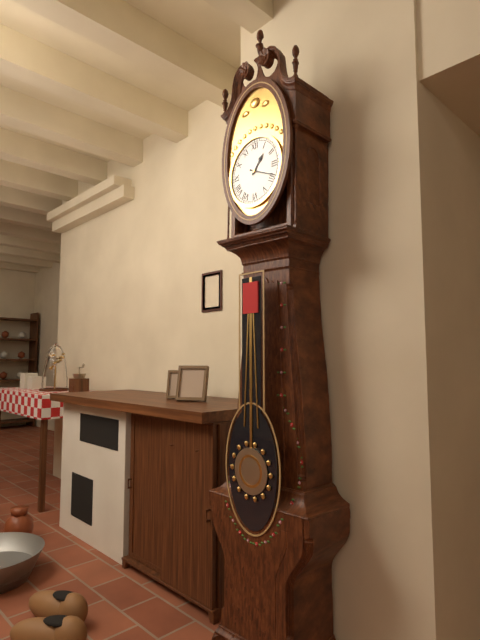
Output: **1:19**
